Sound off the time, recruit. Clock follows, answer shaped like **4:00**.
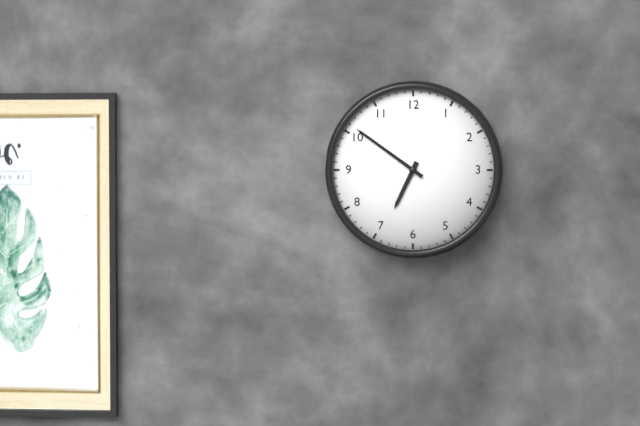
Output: **6:51**
